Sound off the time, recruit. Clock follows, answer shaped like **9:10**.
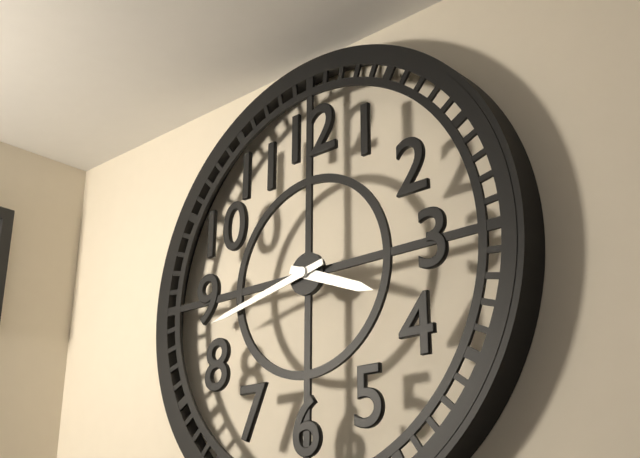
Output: **3:43**
